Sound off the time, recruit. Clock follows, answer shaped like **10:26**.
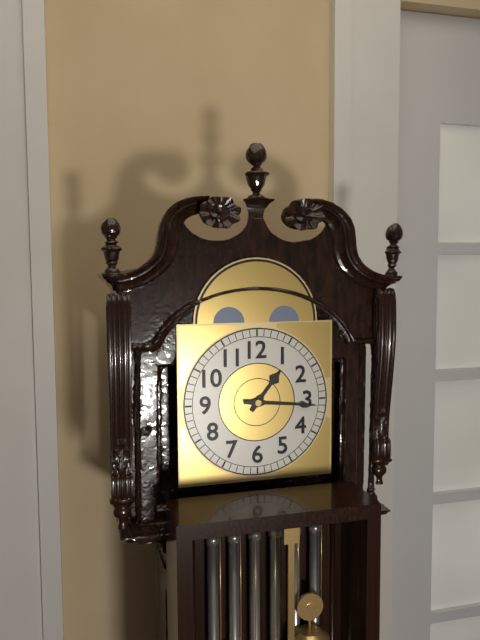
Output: **1:16**
